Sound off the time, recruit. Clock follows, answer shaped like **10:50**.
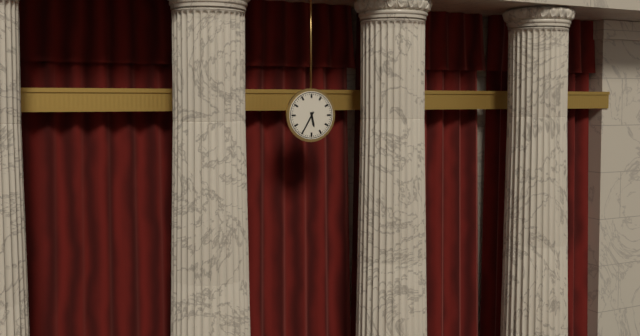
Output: **5:35**
